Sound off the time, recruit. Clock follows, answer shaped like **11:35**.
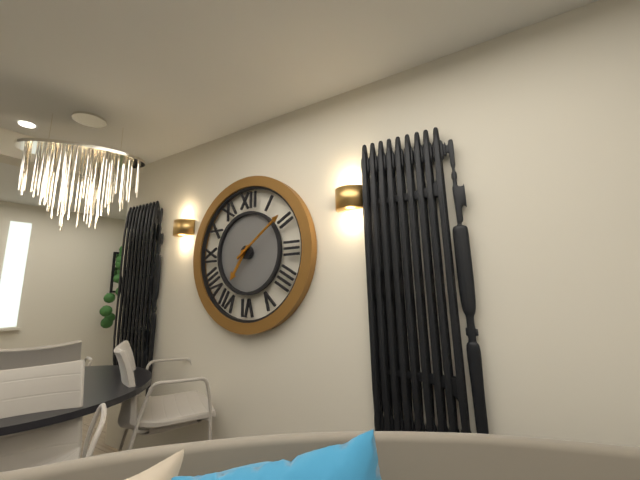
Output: **7:09**
